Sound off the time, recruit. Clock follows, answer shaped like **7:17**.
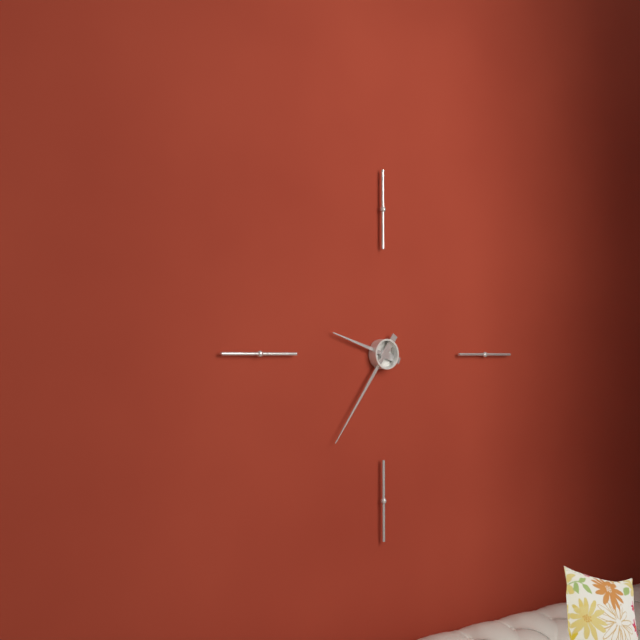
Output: **9:36**
